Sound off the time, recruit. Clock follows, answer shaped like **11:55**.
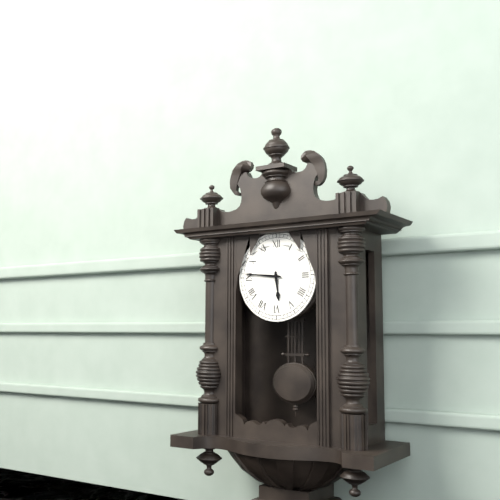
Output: **5:46**
